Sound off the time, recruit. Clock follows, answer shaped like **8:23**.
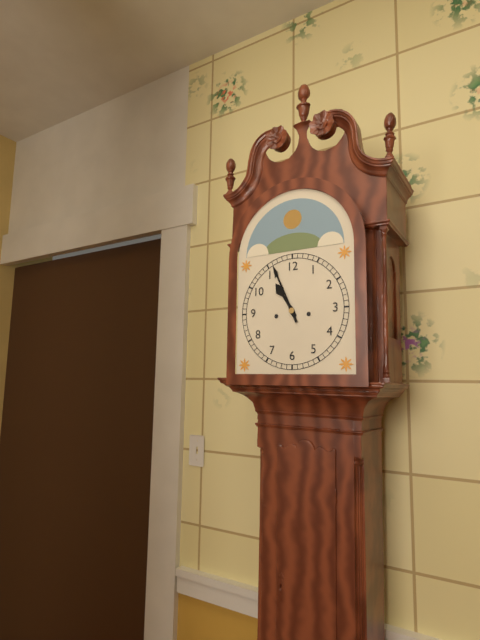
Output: **10:56**
